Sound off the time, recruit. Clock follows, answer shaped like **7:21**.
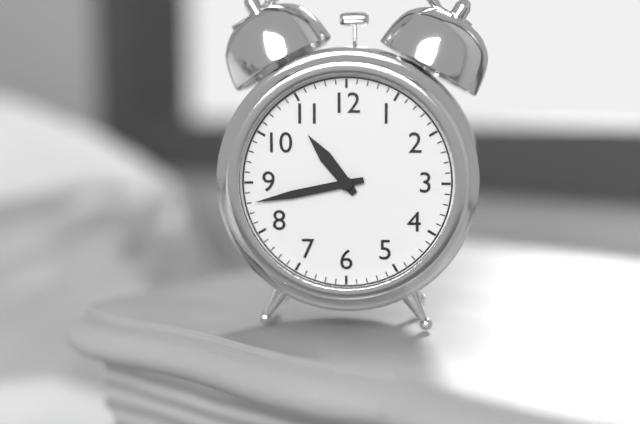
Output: **10:43**
